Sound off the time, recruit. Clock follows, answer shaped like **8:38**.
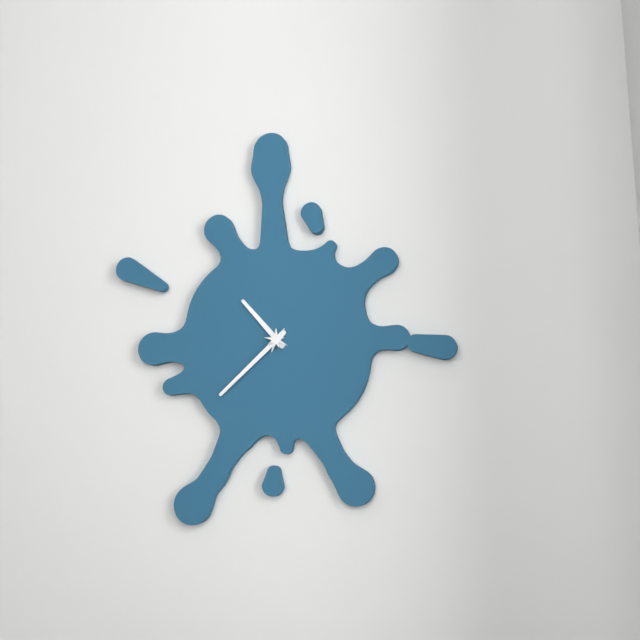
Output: **10:38**
